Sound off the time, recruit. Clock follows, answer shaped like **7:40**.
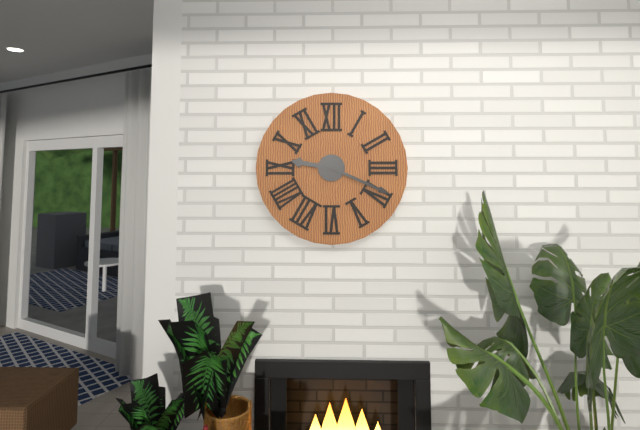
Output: **9:19**
